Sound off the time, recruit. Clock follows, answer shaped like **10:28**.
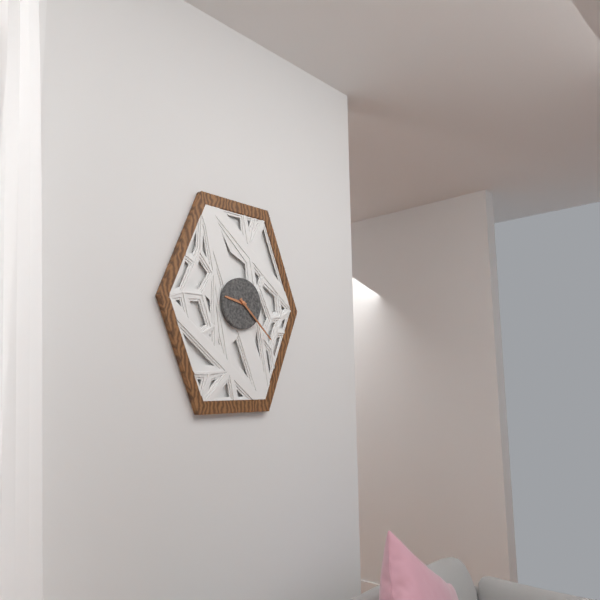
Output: **9:22**
